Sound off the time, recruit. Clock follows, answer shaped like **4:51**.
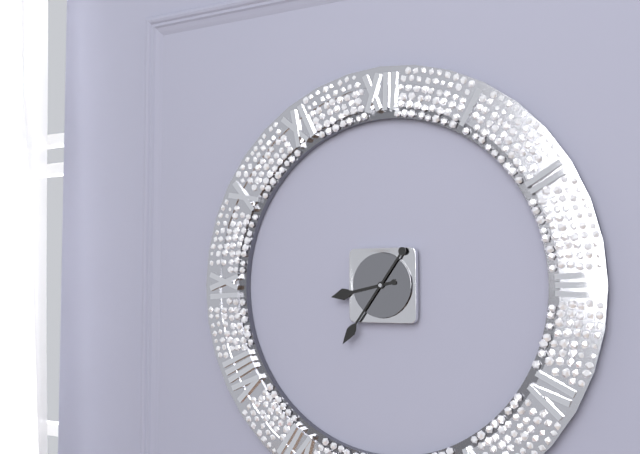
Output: **8:36**
